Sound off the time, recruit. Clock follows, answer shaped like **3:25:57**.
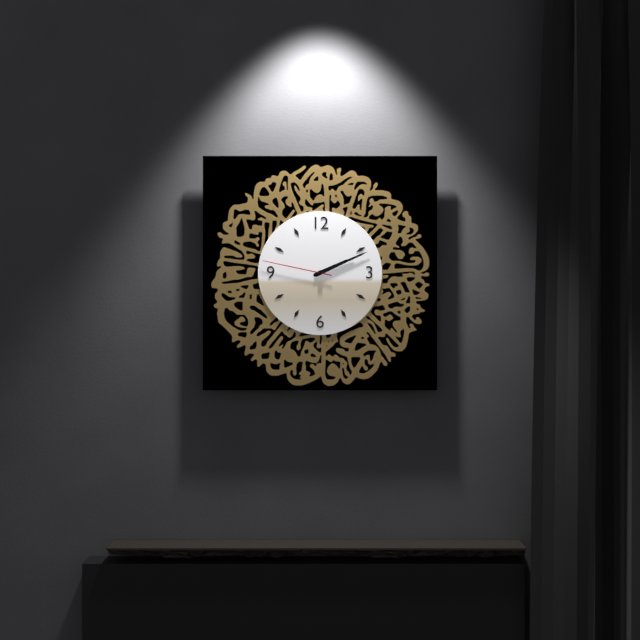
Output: **2:11:47**
